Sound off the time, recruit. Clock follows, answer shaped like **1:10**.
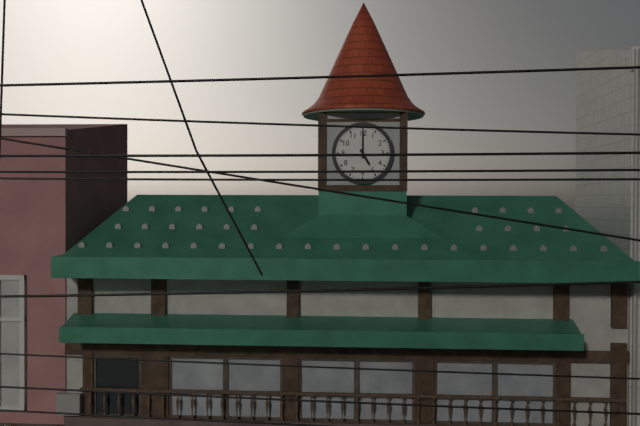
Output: **5:00**
